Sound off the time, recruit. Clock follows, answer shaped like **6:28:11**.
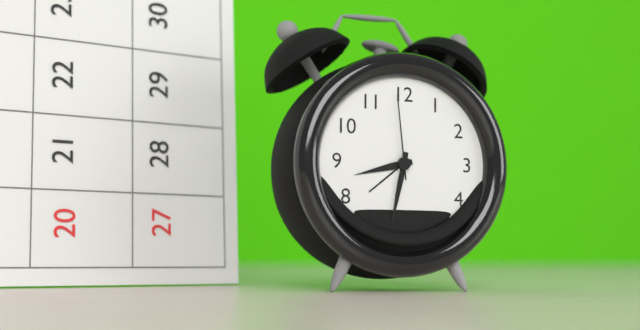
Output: **8:32:59**
